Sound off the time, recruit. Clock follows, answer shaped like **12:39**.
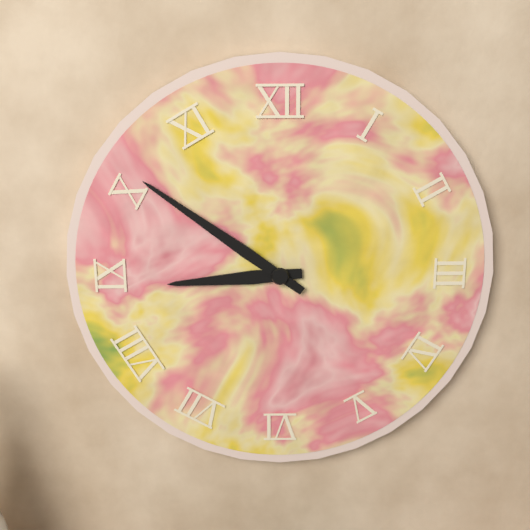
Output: **8:51**
